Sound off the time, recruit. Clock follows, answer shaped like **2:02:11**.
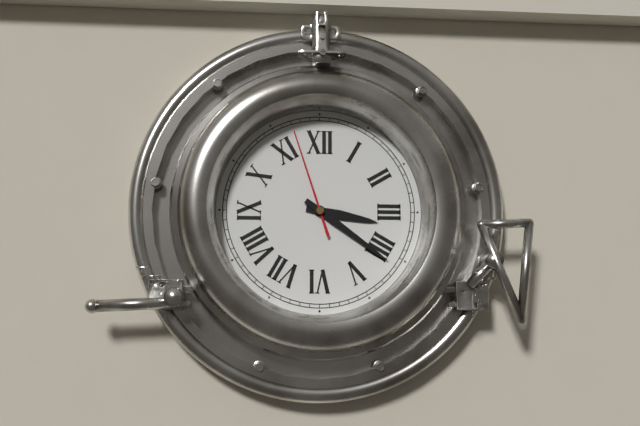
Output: **3:21:57**
